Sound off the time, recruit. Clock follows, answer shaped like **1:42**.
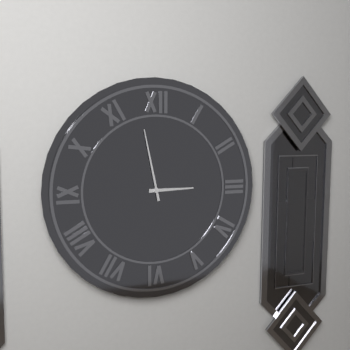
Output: **2:58**
